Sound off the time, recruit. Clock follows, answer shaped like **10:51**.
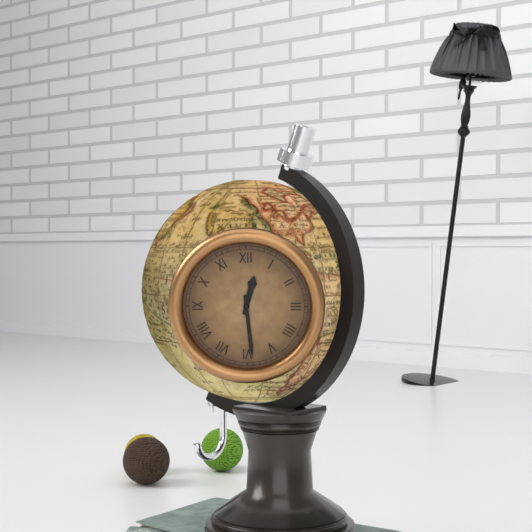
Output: **12:29**
